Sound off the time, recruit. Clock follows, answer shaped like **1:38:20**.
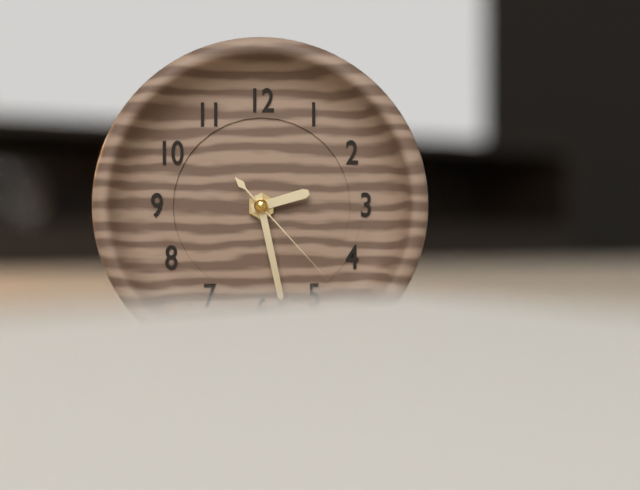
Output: **2:28:23**
